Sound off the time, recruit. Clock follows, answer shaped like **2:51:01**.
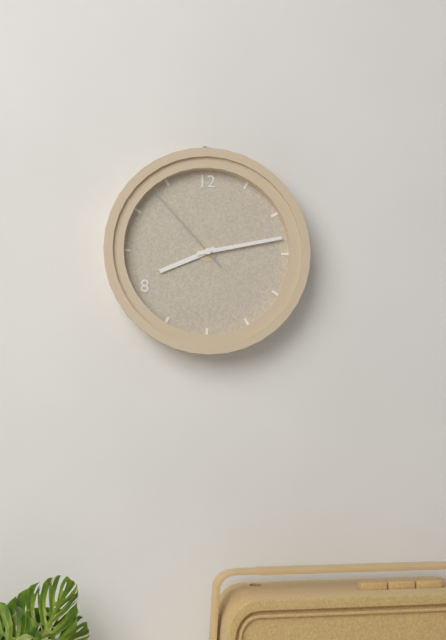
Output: **8:13:53**
